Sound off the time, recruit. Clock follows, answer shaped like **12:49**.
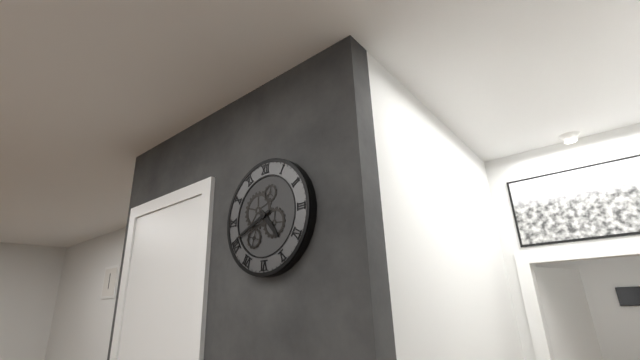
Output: **4:41**
